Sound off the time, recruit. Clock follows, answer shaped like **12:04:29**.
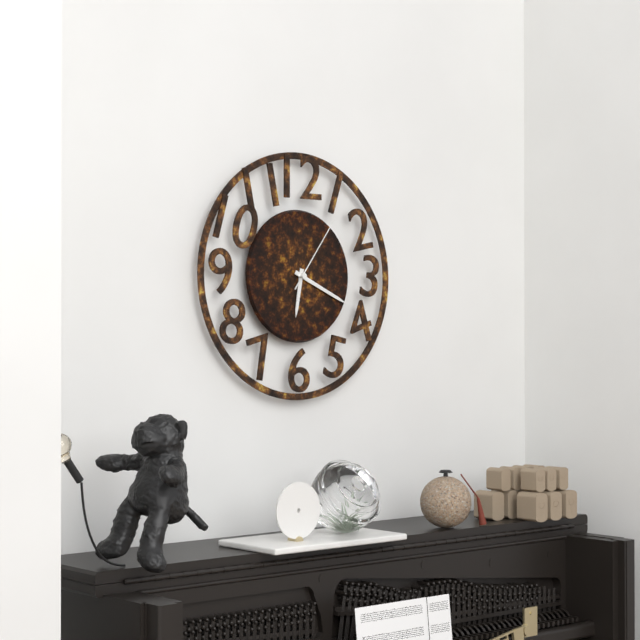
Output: **6:19:06**
